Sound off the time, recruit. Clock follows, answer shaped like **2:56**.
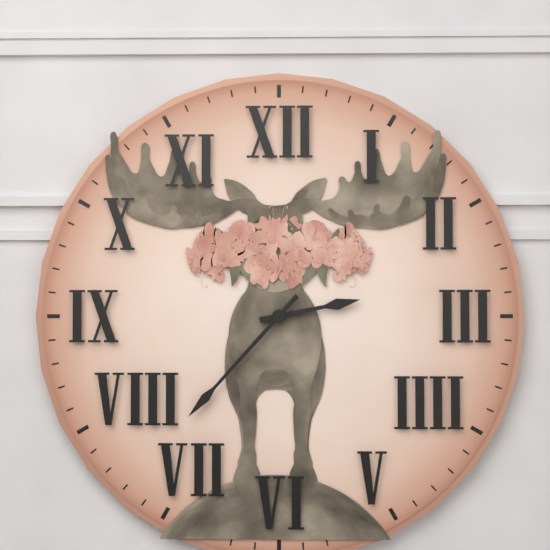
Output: **2:37**
